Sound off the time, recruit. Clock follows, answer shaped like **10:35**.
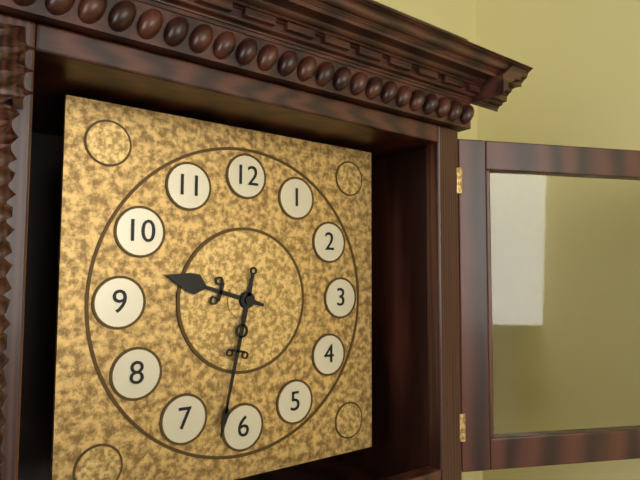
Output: **9:32**
